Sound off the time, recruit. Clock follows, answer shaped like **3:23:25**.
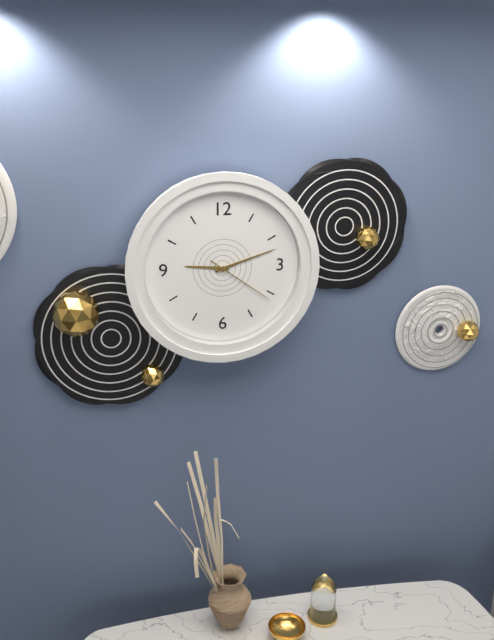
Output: **9:12:21**
